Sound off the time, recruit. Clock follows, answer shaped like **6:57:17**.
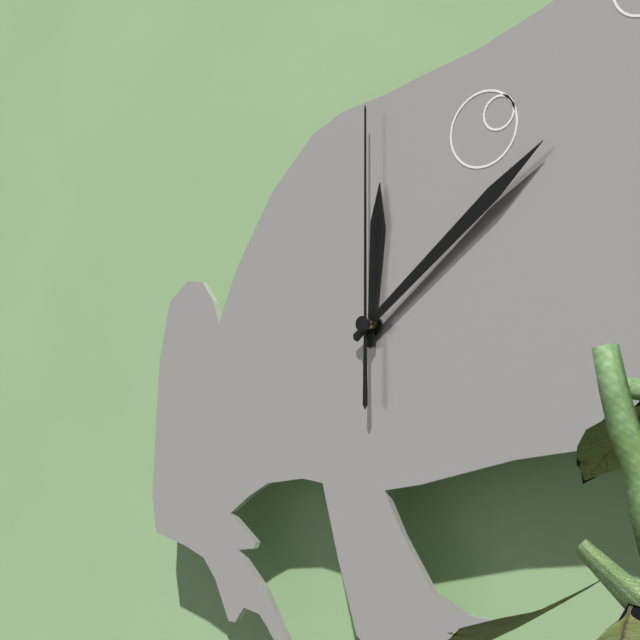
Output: **12:09:00**
